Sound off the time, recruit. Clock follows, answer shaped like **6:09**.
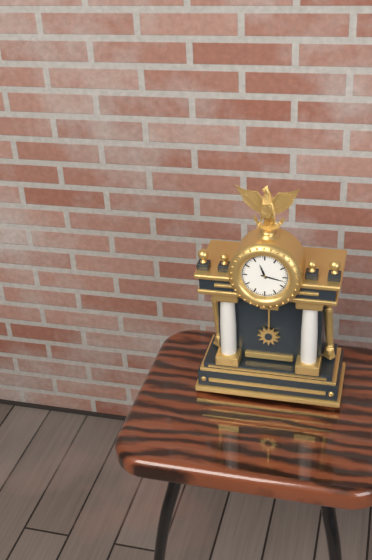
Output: **11:17**
